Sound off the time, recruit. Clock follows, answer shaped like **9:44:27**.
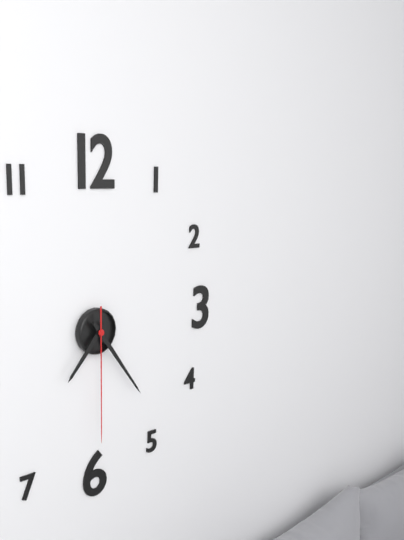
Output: **7:24:30**
